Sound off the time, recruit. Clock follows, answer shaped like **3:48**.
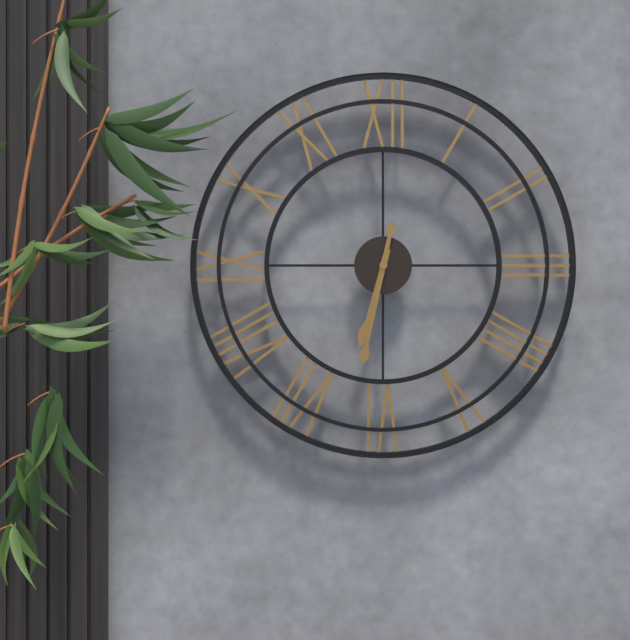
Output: **6:32**
